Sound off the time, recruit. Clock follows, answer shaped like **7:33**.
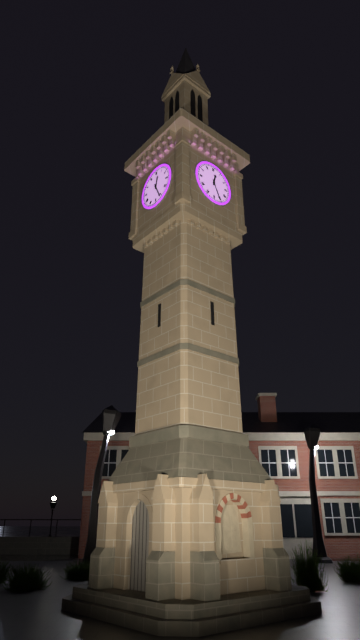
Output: **12:26**
